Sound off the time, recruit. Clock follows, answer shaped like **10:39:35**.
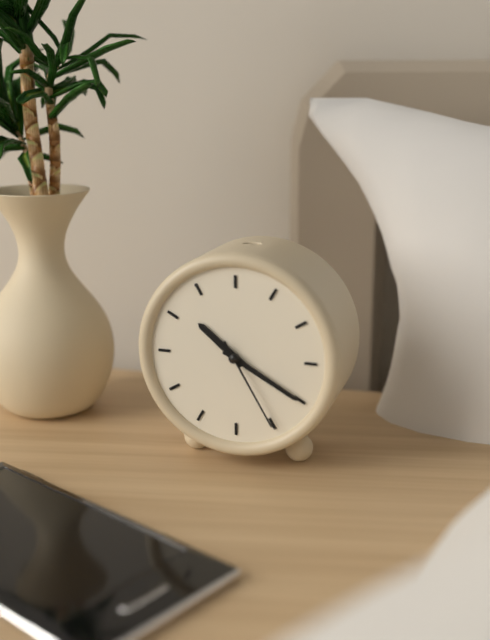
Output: **10:20:25**
